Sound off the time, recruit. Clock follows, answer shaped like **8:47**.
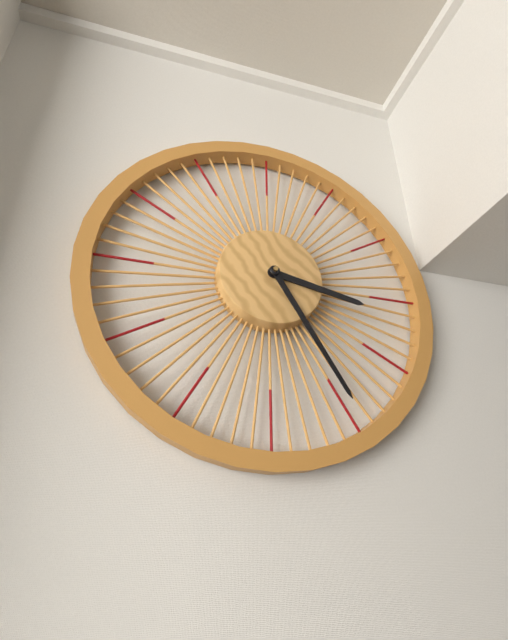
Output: **3:25**
